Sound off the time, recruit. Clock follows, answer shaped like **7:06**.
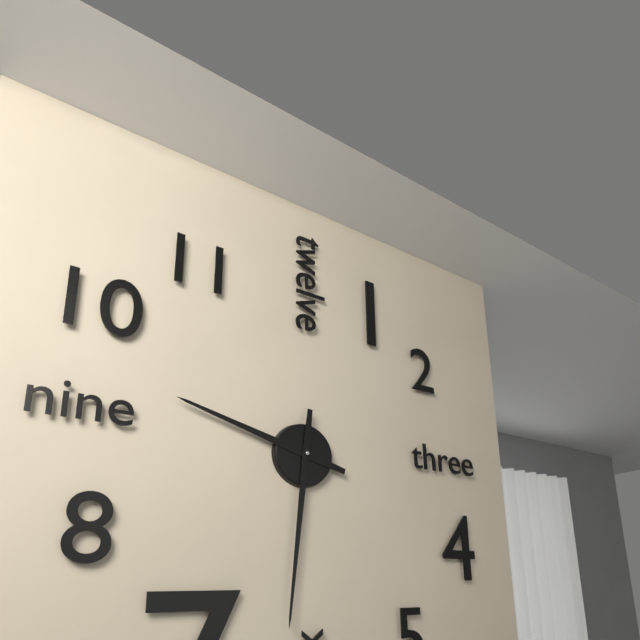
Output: **9:31**
